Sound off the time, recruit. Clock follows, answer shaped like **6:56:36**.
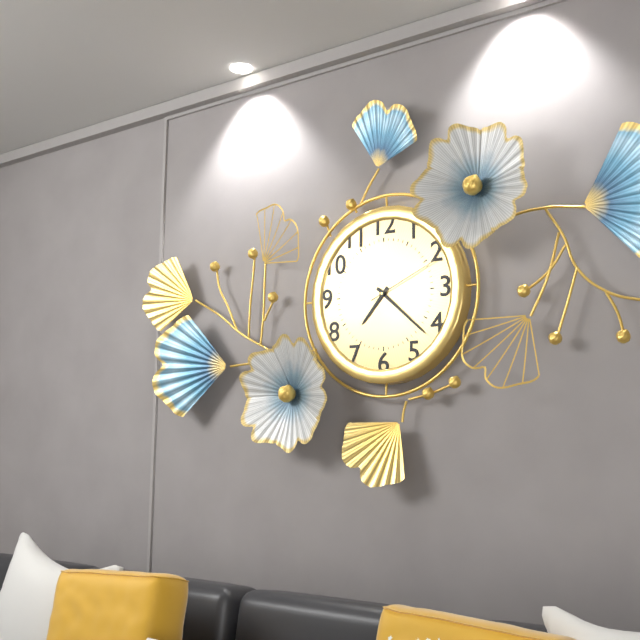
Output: **7:22:11**
